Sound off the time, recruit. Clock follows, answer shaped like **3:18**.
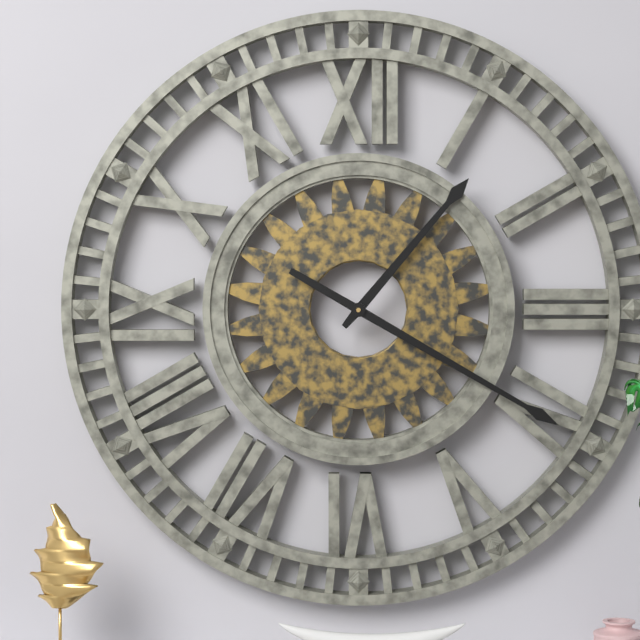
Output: **1:20**
